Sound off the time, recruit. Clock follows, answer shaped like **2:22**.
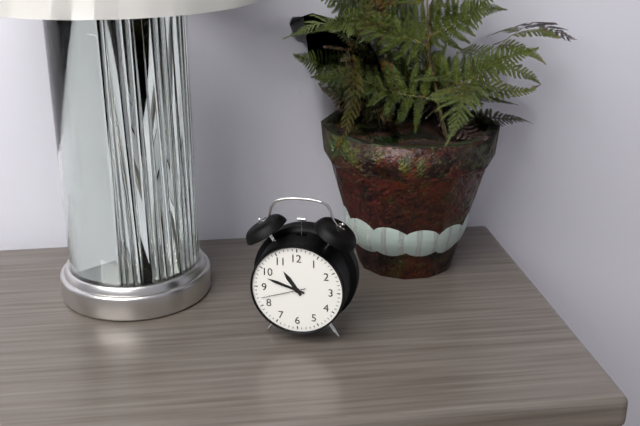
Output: **10:48**
